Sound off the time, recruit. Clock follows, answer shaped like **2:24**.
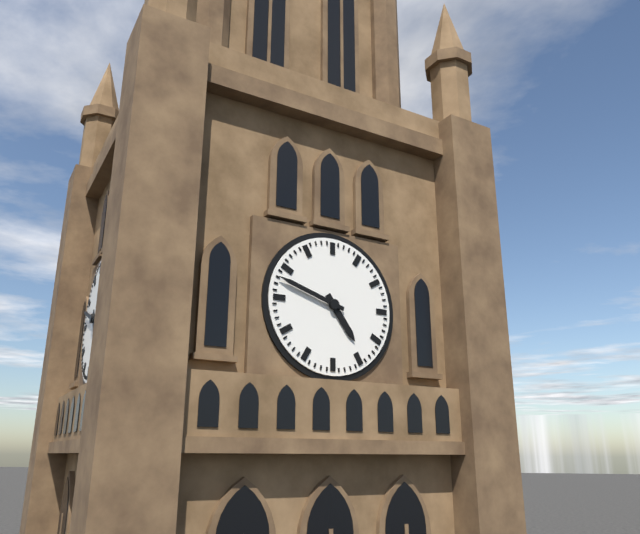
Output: **4:48**
